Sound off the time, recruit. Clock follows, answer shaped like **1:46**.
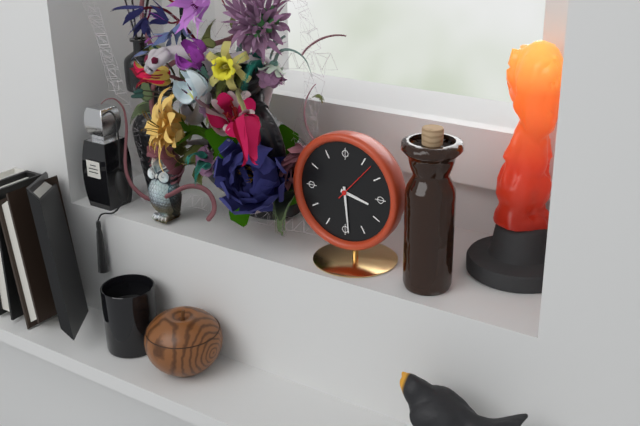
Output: **3:29**
